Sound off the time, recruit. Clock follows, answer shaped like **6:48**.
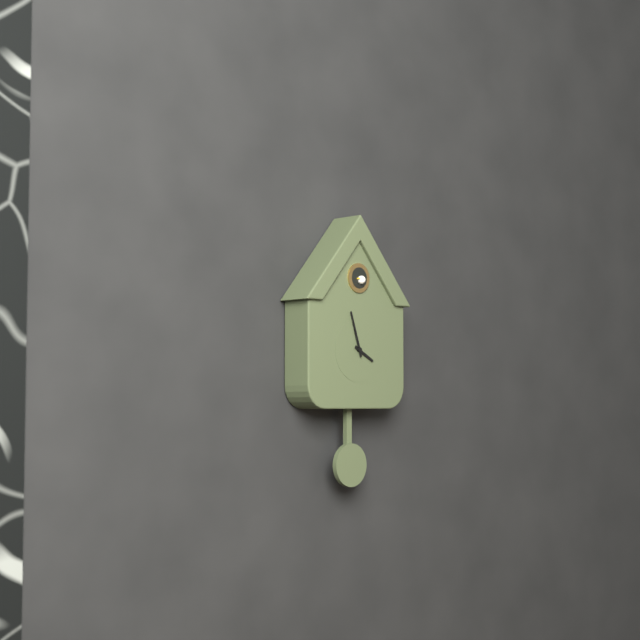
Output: **3:57**
